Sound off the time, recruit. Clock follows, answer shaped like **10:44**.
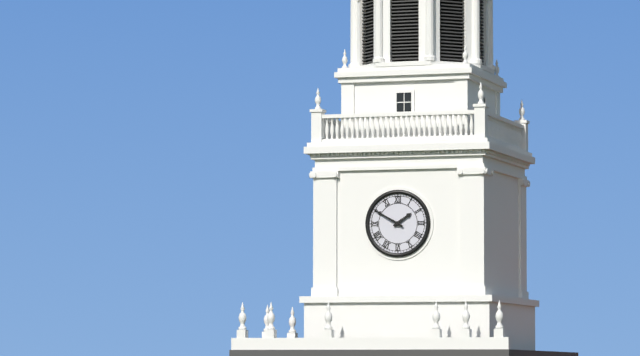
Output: **1:50**
